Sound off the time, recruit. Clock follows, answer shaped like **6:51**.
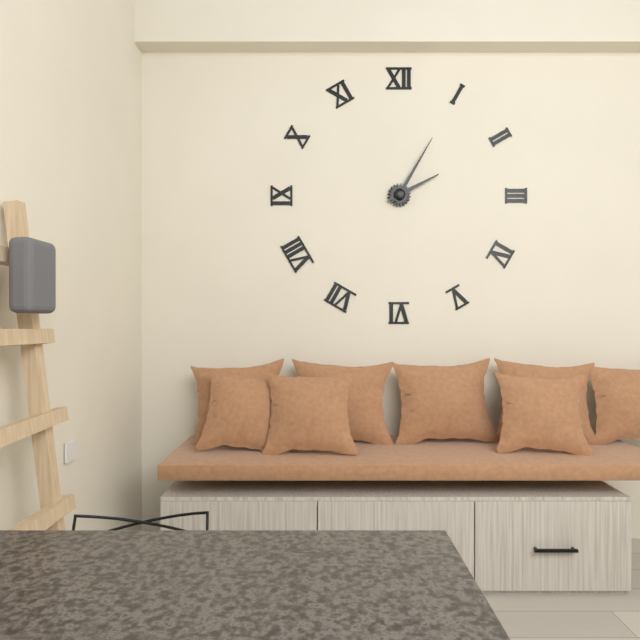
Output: **2:05**
